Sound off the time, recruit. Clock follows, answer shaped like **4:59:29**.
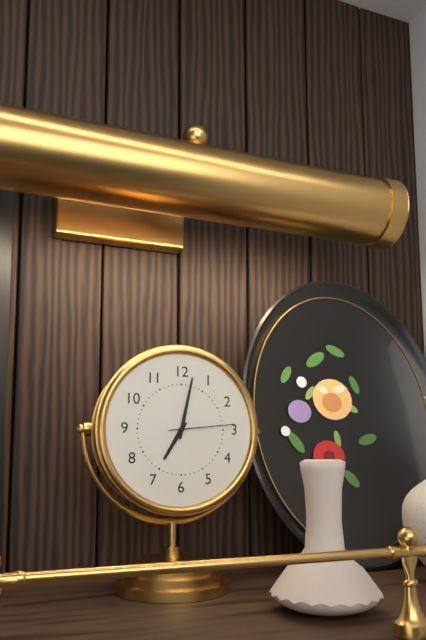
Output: **7:02:14**
